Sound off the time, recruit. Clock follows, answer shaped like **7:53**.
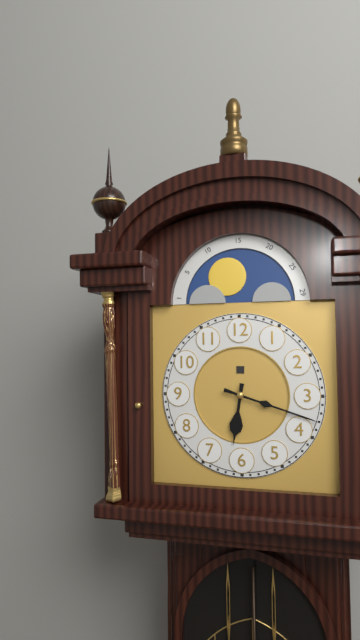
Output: **6:18**
